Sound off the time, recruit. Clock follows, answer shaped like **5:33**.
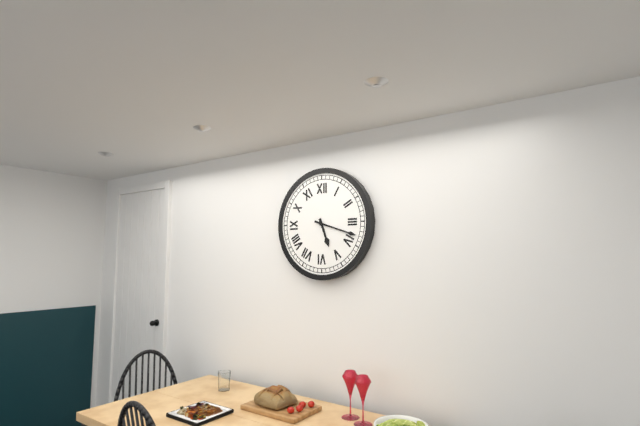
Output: **5:18**
